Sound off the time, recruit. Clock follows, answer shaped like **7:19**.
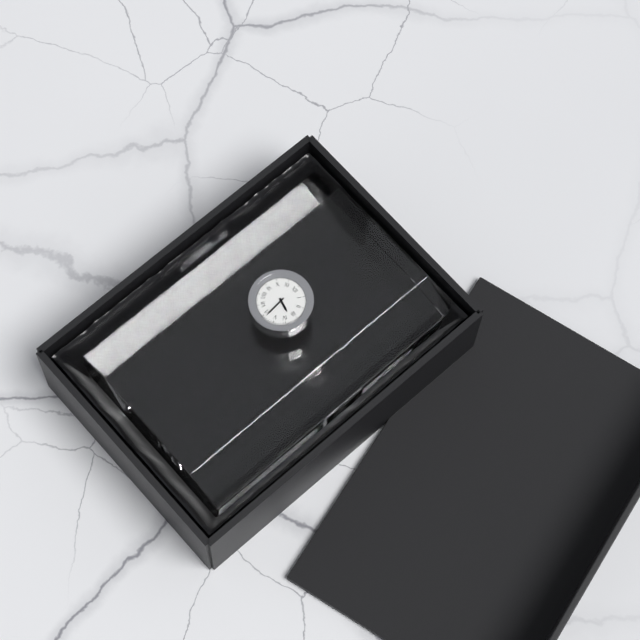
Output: **3:29**
